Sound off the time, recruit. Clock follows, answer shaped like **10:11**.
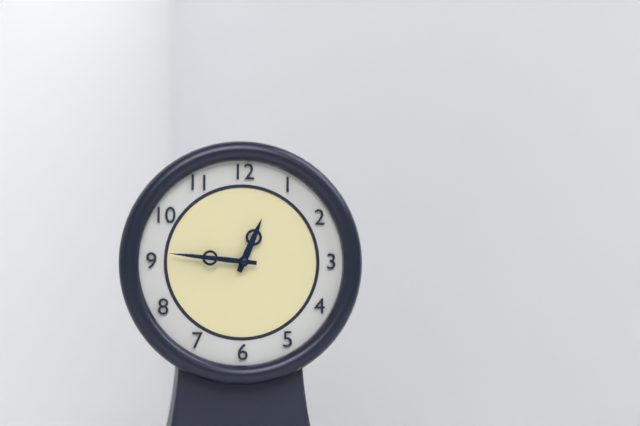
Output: **12:46**
